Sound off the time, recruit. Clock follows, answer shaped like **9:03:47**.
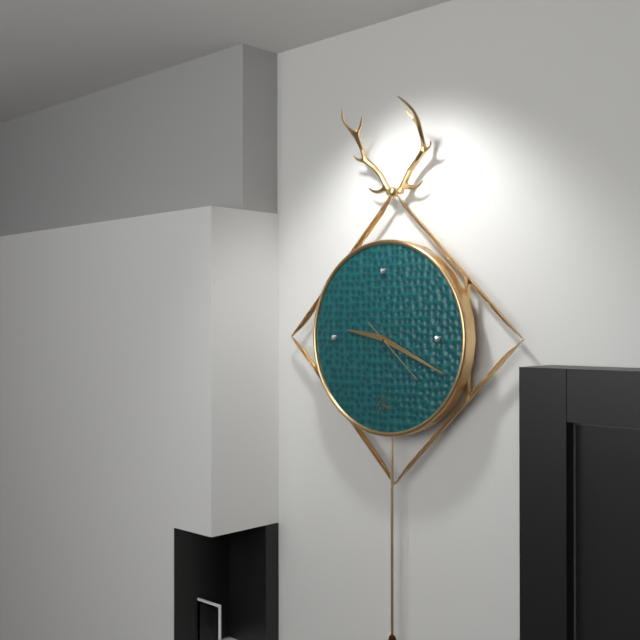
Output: **9:19:22**
